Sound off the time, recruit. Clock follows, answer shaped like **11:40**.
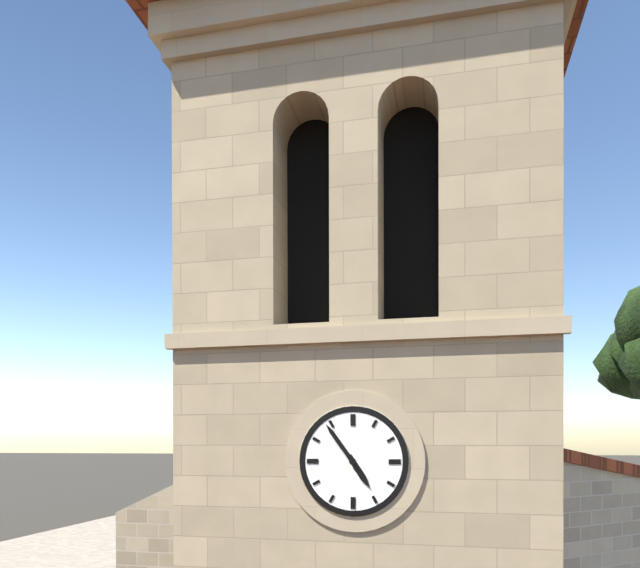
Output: **4:54**
